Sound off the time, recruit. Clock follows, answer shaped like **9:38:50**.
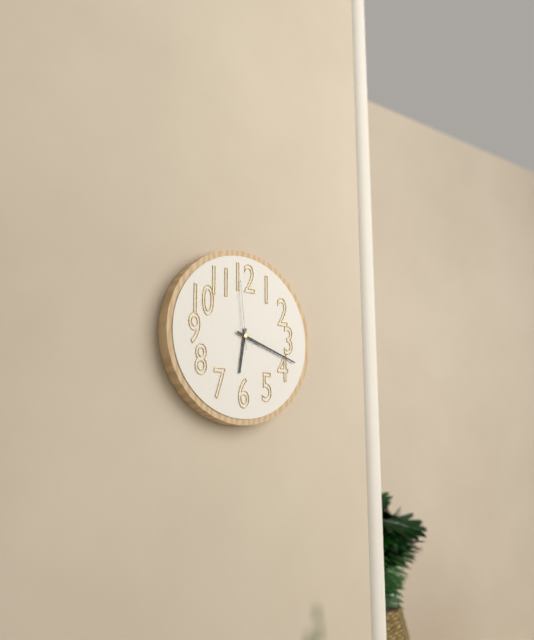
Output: **6:18:59**
